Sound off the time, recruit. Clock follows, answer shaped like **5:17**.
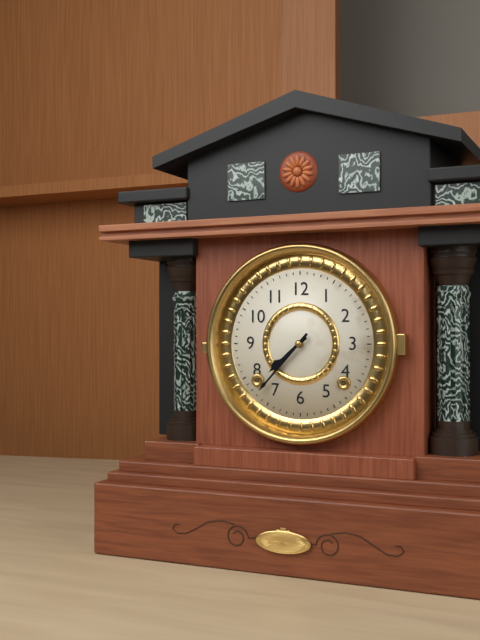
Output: **7:37**
